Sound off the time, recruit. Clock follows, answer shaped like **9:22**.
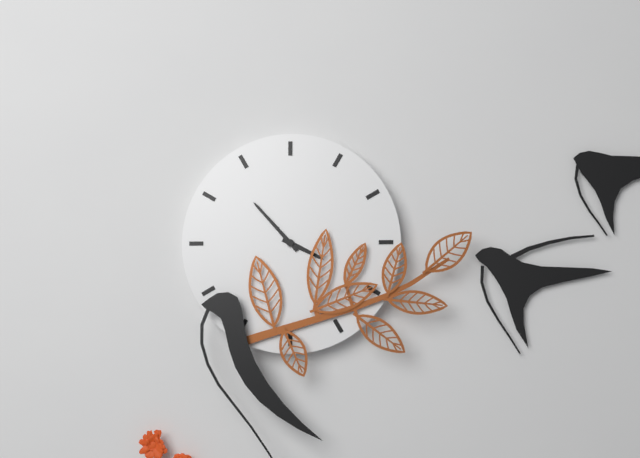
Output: **3:53**
